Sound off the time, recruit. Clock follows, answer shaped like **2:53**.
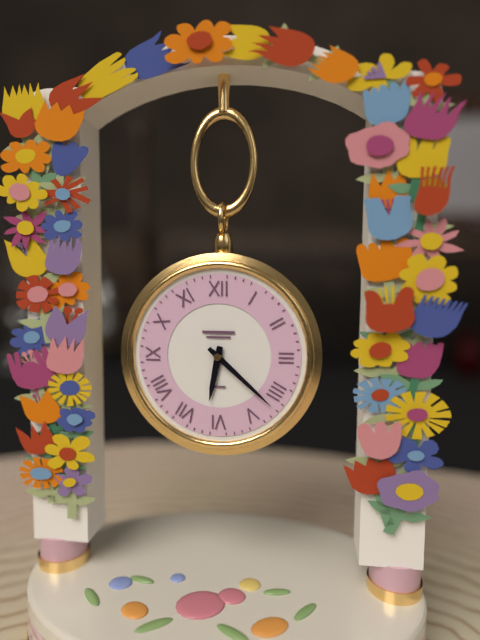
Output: **6:22**
